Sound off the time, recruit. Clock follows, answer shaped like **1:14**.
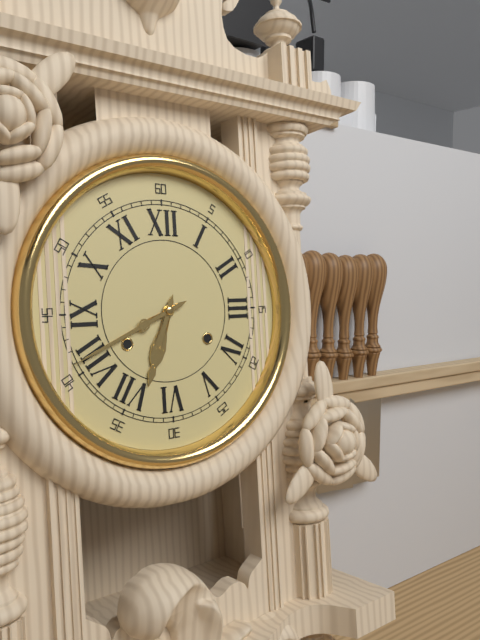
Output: **6:41**
